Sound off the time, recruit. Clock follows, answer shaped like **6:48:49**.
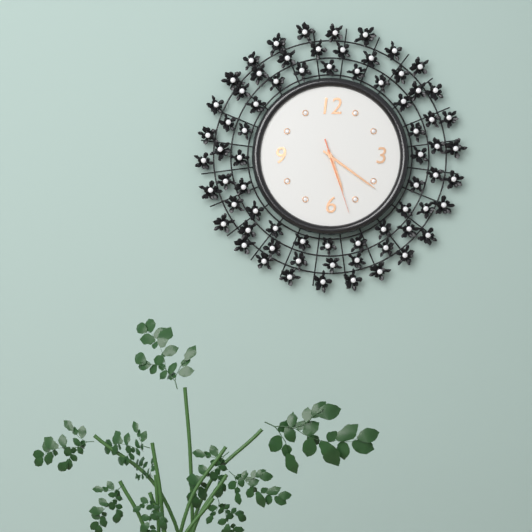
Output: **5:21:27**
